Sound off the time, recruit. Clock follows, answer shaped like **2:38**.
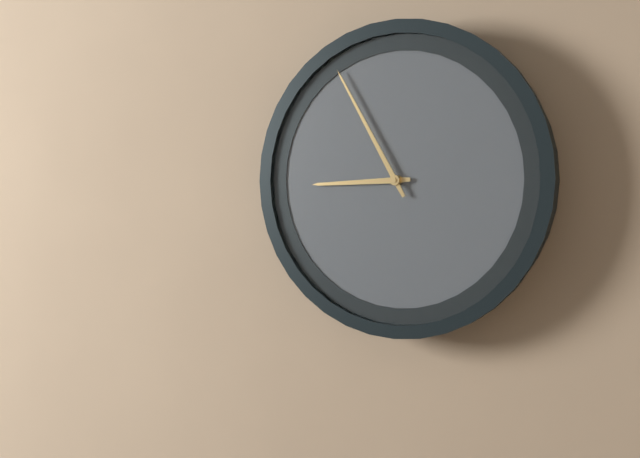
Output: **8:55**
